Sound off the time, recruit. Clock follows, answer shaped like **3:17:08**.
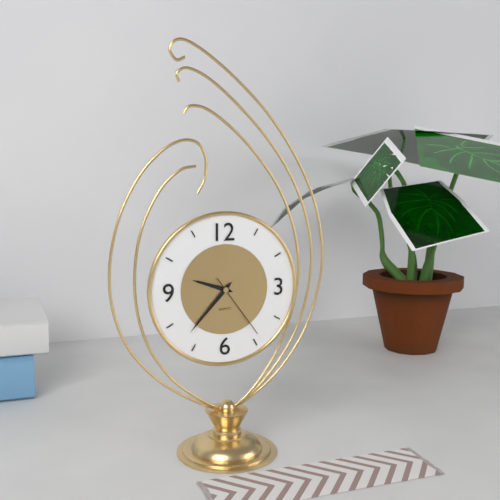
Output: **9:37:24**
